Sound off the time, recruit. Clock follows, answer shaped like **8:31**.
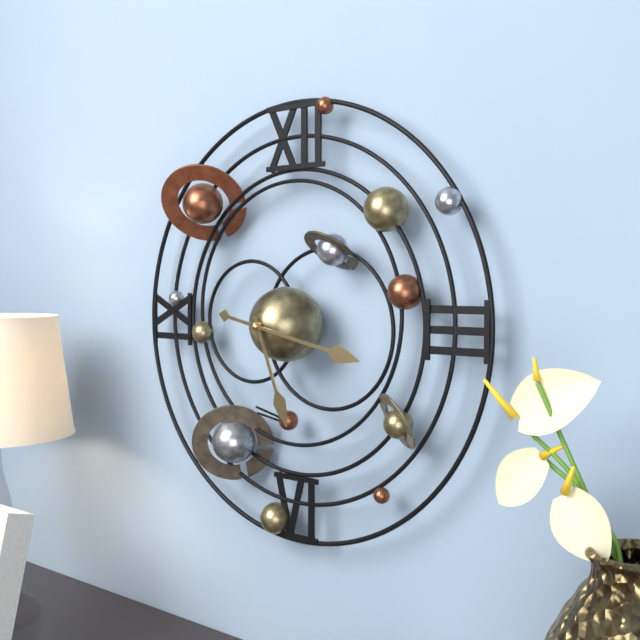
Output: **5:17**
